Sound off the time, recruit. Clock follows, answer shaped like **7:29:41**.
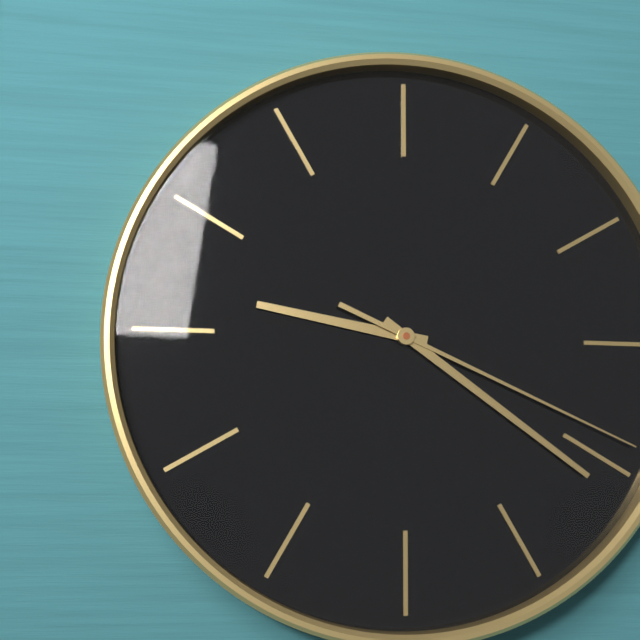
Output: **9:21:19**
